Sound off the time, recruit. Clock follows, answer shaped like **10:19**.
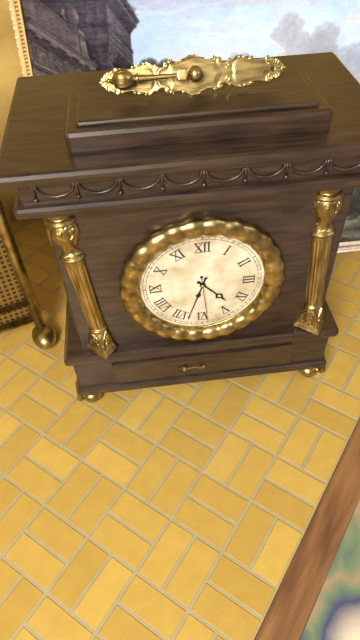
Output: **4:33**
